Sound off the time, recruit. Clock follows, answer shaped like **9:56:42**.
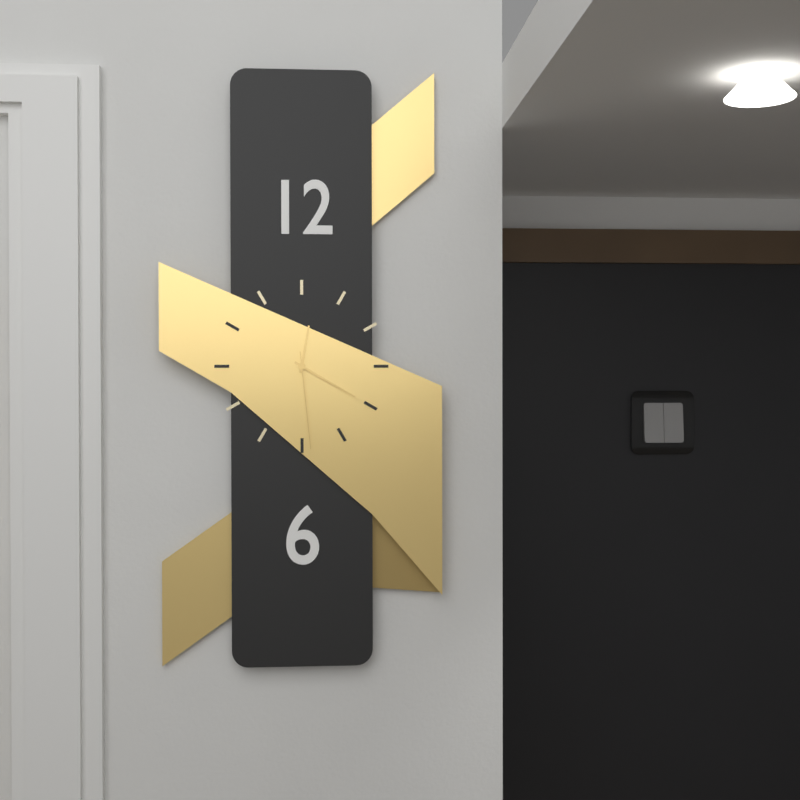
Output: **12:20:29**
